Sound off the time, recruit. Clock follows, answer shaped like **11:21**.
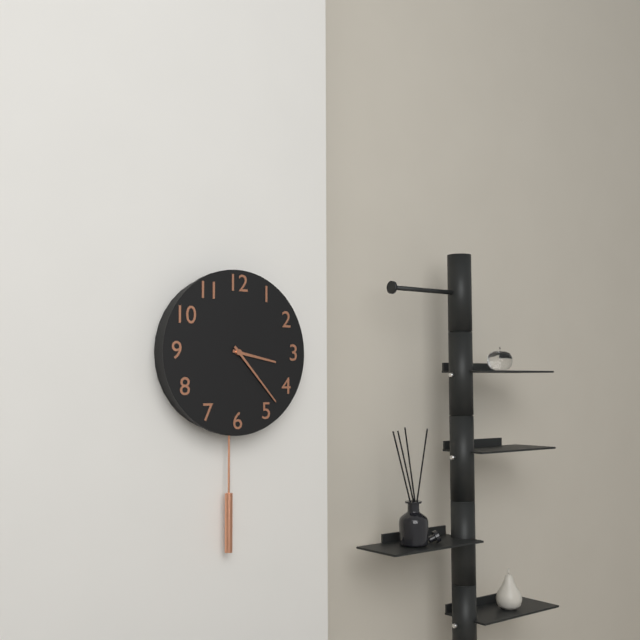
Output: **3:23**
